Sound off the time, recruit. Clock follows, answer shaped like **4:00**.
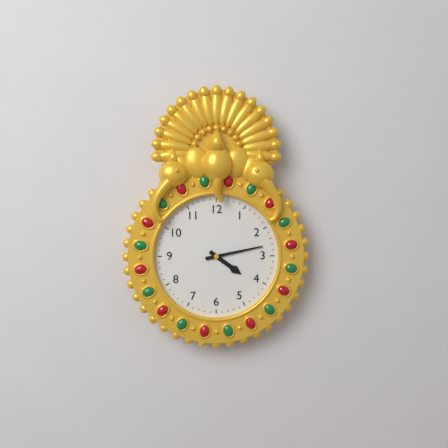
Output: **4:13**
